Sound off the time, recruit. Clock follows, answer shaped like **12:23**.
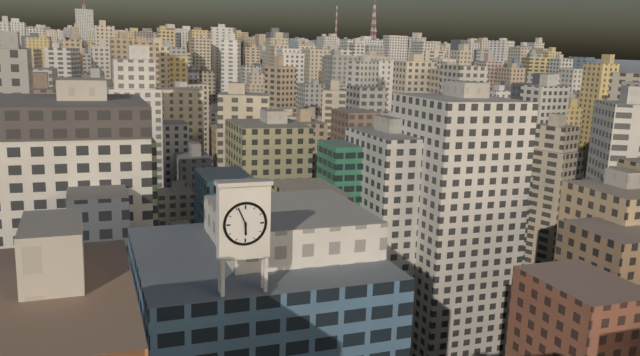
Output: **5:56**
